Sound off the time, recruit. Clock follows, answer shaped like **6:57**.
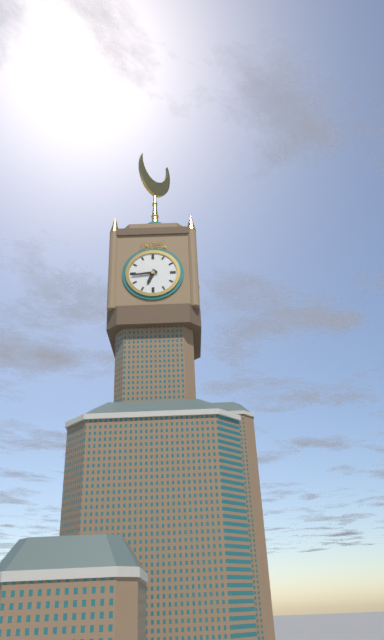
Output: **6:44**
